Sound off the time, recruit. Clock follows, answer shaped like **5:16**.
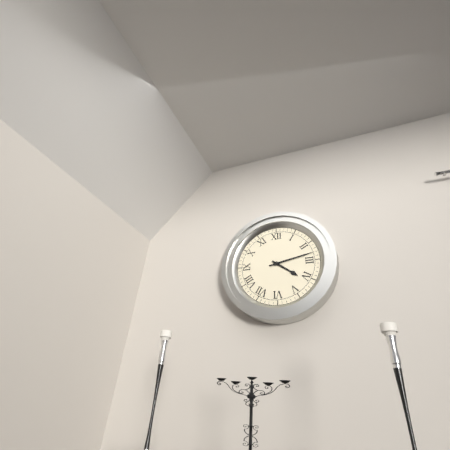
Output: **4:13**
